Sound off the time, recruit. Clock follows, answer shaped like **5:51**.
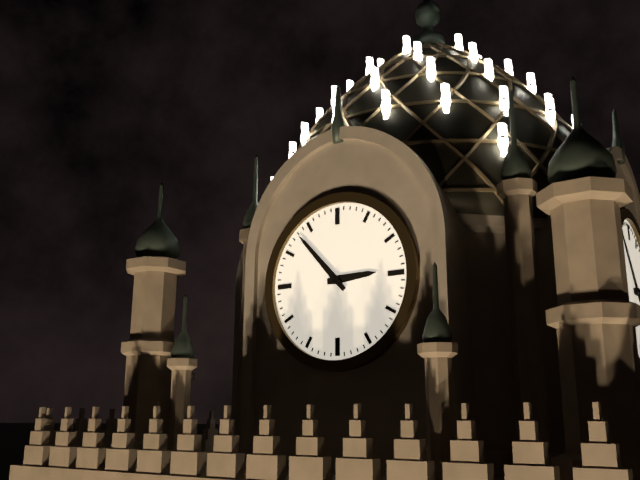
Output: **2:53**
